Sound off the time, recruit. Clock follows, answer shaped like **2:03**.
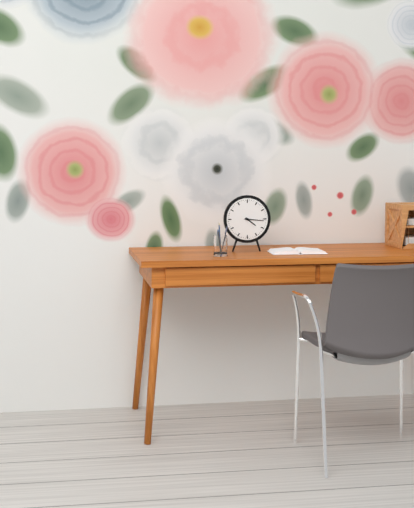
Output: **4:16**
